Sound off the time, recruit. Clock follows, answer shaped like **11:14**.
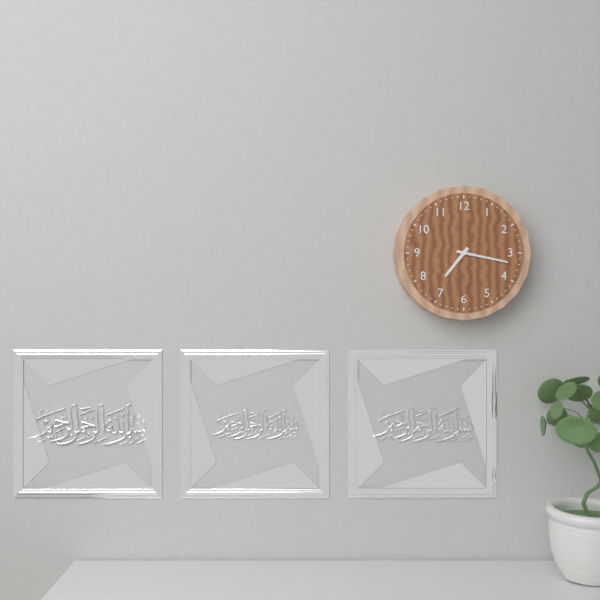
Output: **7:17**
